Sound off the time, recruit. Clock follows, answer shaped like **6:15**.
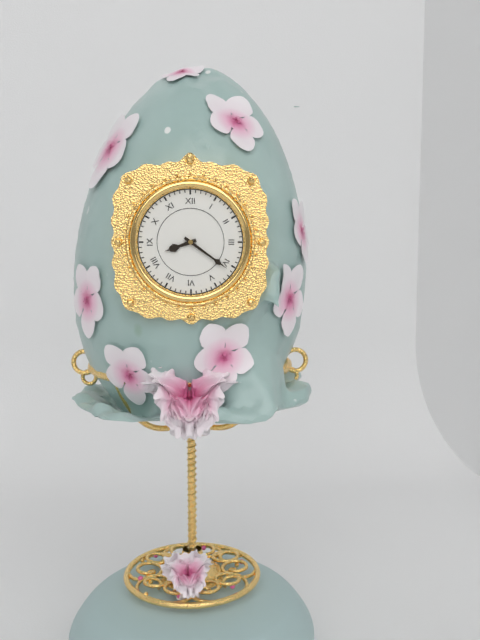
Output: **8:21**
